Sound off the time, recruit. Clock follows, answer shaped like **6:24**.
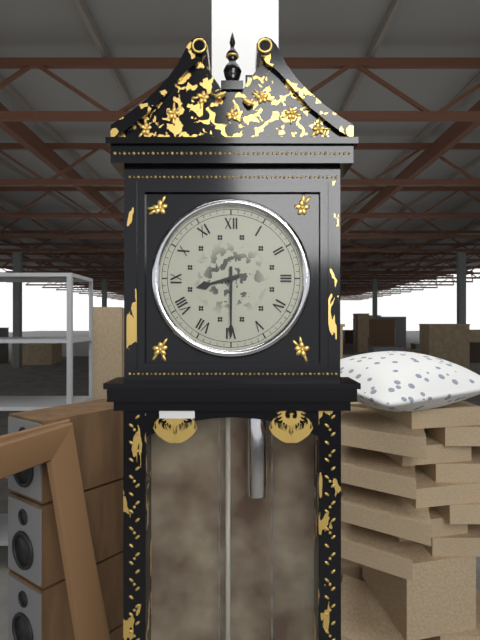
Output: **8:30**
